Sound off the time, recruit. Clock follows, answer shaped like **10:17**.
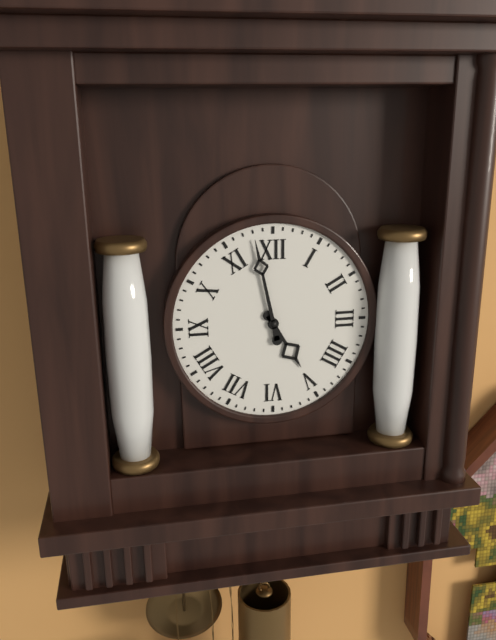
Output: **4:58**
